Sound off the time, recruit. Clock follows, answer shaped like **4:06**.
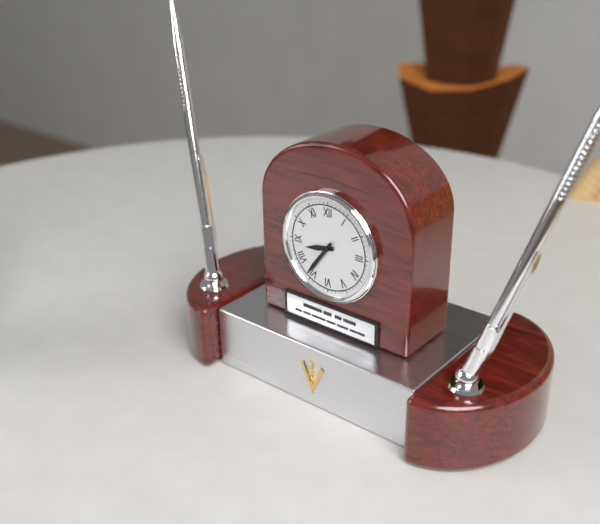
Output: **8:36**
